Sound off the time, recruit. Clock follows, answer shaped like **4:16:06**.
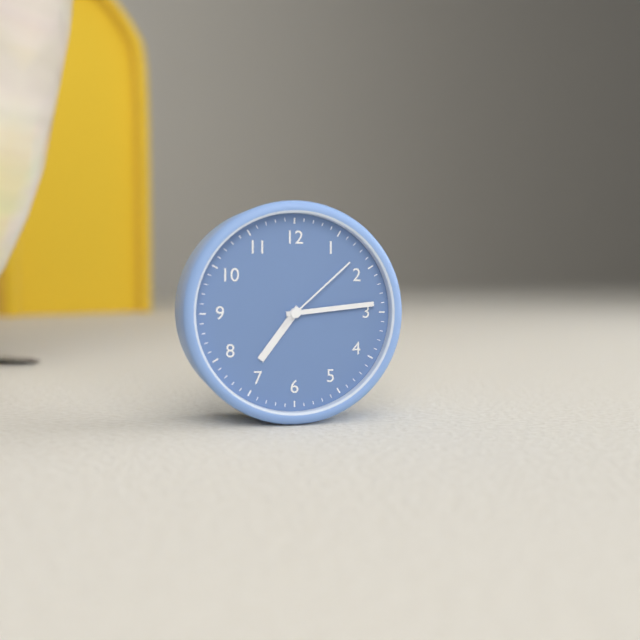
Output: **7:14:08**
